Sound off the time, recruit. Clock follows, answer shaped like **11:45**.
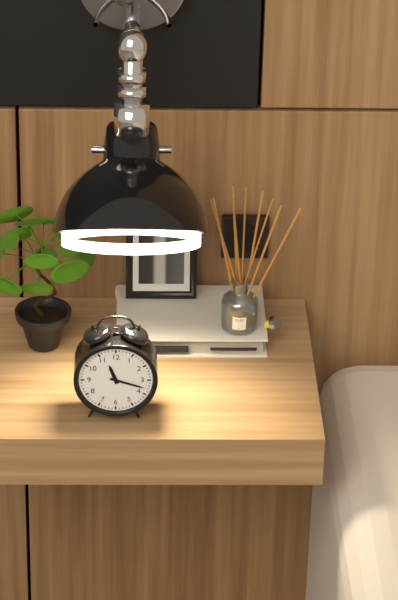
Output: **11:18**
